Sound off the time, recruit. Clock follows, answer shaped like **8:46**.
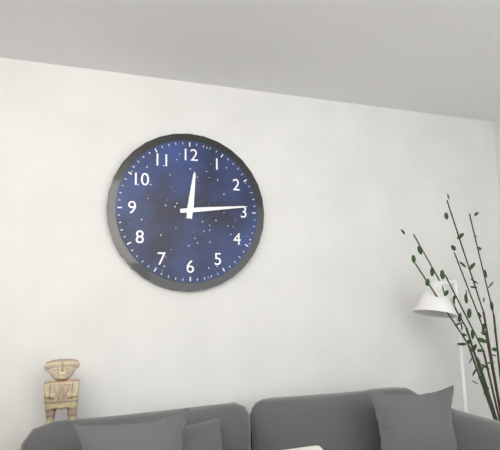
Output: **12:14**
